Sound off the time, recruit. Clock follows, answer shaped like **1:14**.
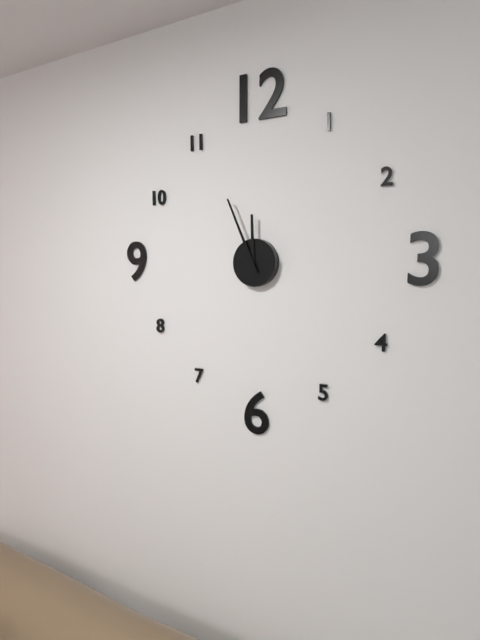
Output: **11:56**
